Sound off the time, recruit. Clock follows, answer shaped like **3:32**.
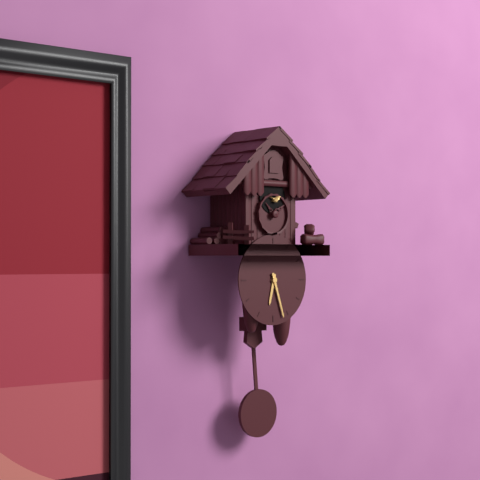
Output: **6:27**
